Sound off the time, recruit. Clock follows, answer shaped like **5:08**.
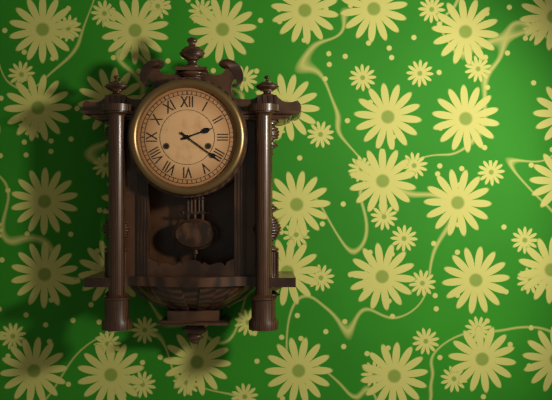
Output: **2:21**
